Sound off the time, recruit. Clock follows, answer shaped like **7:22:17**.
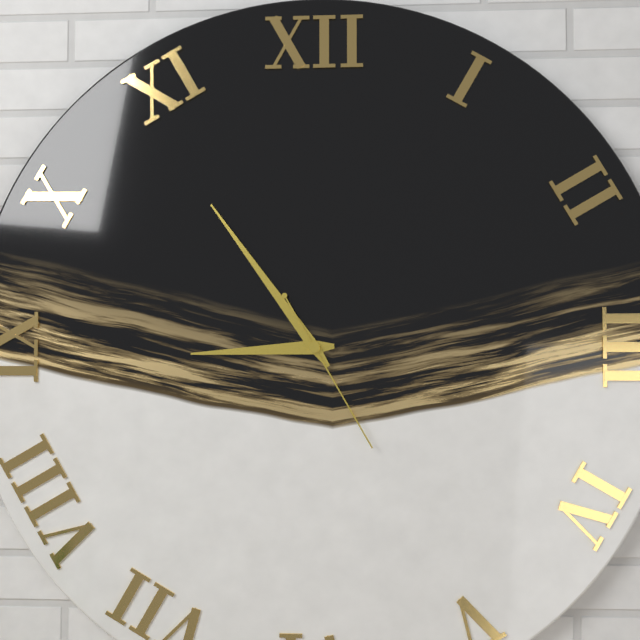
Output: **8:54:25**
